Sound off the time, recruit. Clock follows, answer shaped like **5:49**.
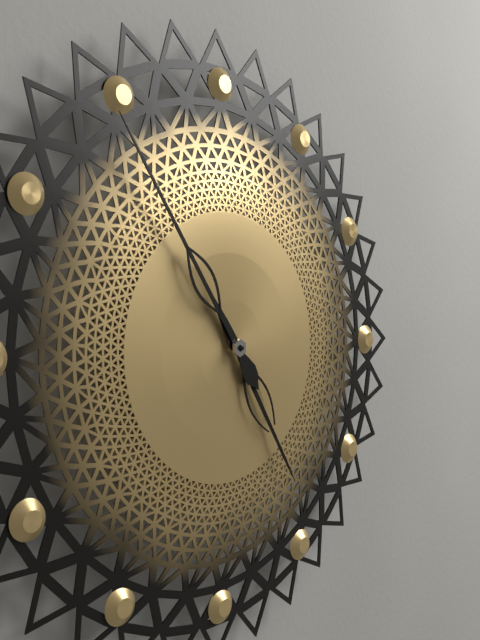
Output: **4:54**
